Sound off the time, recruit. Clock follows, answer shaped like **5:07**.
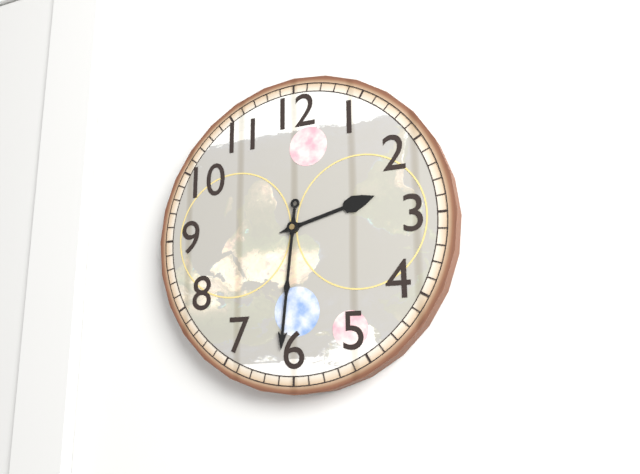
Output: **2:31**
